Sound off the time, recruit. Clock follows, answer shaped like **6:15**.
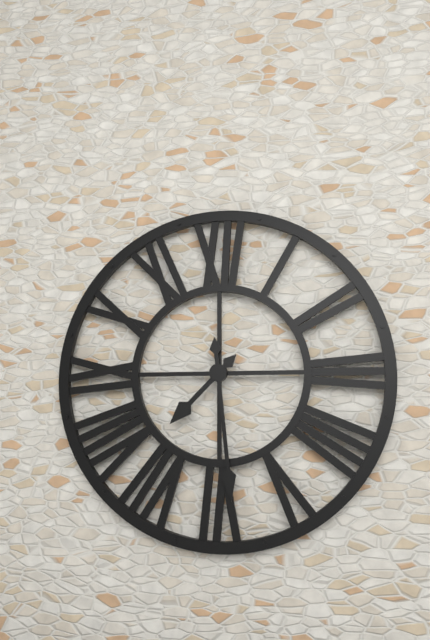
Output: **7:29**
